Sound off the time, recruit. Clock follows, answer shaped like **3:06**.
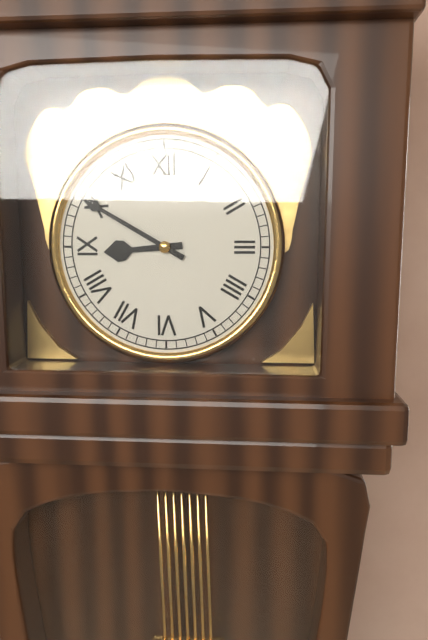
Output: **8:50**
